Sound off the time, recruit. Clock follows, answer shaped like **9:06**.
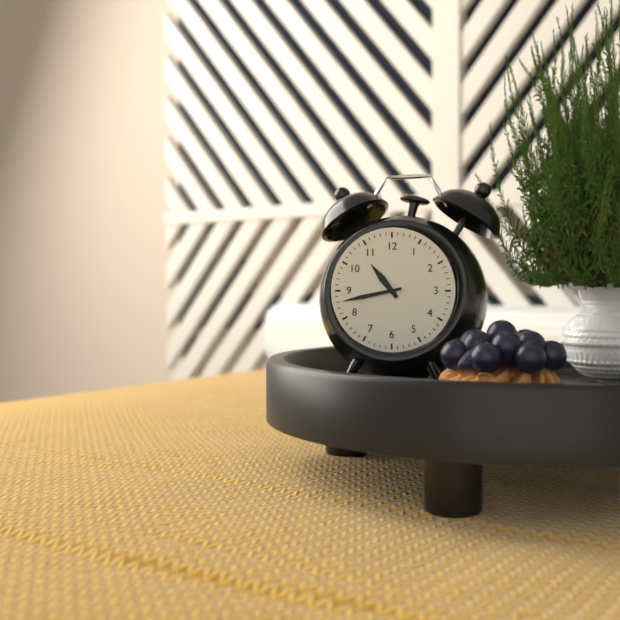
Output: **10:43**
